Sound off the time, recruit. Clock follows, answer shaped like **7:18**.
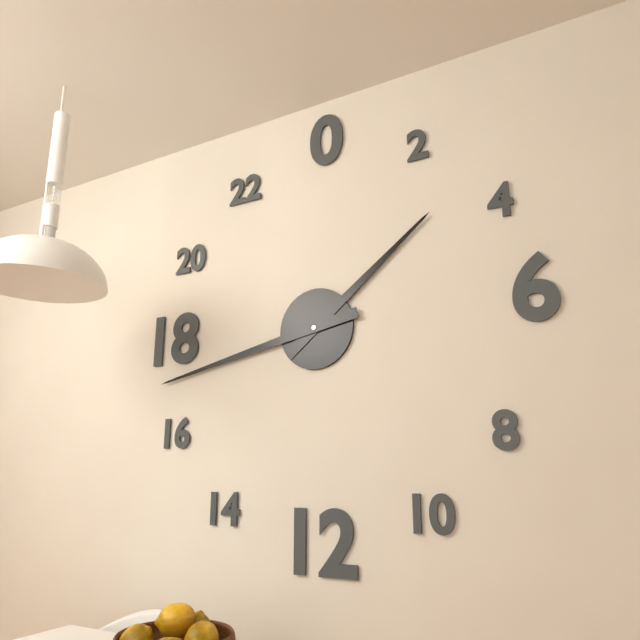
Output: **1:43**
